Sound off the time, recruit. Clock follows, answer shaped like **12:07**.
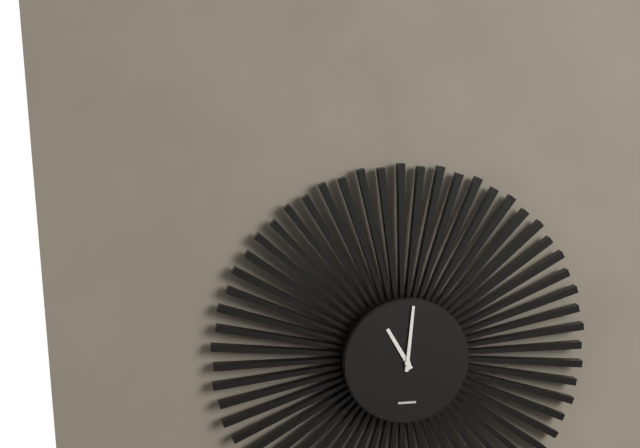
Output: **11:01**
